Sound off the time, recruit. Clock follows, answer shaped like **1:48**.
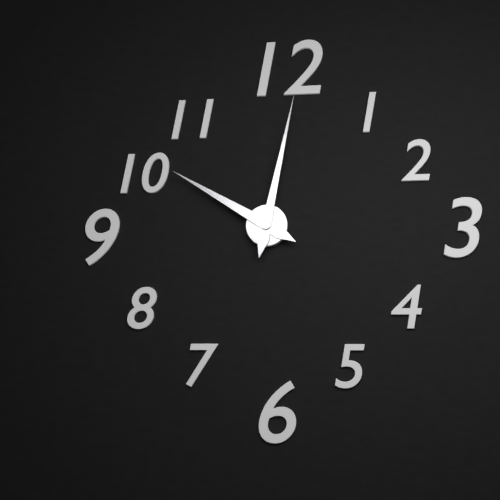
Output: **10:02**
